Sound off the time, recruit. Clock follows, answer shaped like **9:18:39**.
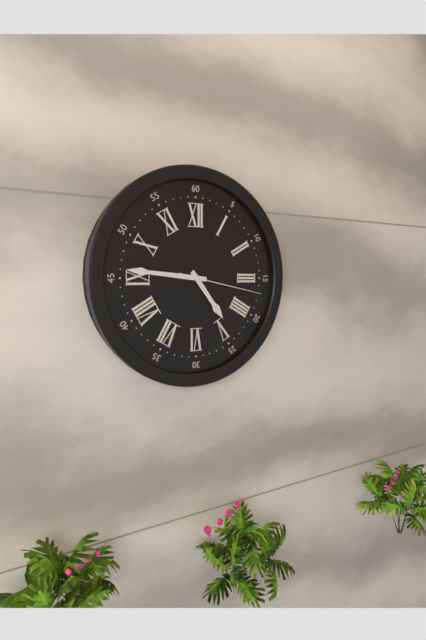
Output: **4:46:17**
